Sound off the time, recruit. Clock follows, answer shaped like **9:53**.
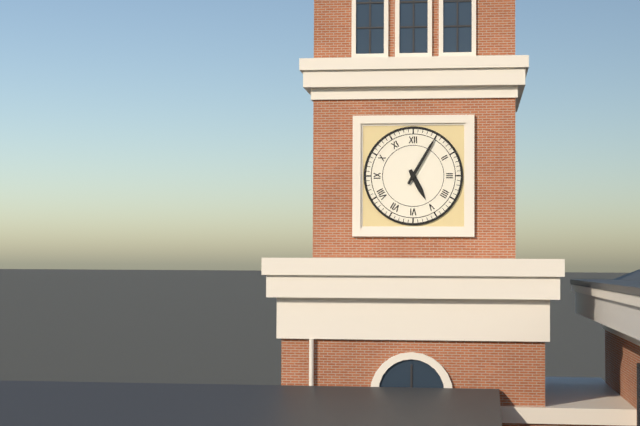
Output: **5:05**
